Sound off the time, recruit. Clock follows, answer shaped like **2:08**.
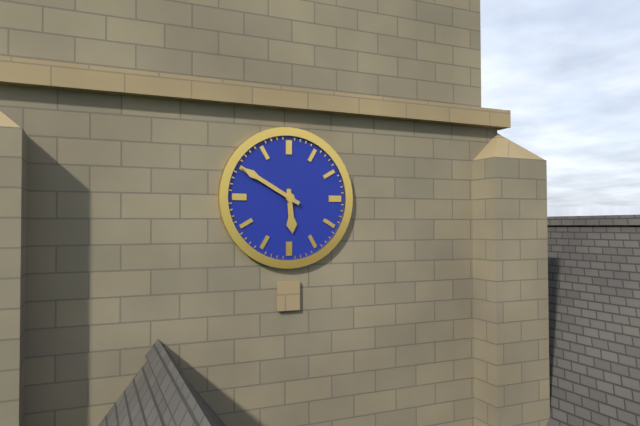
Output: **5:50**
